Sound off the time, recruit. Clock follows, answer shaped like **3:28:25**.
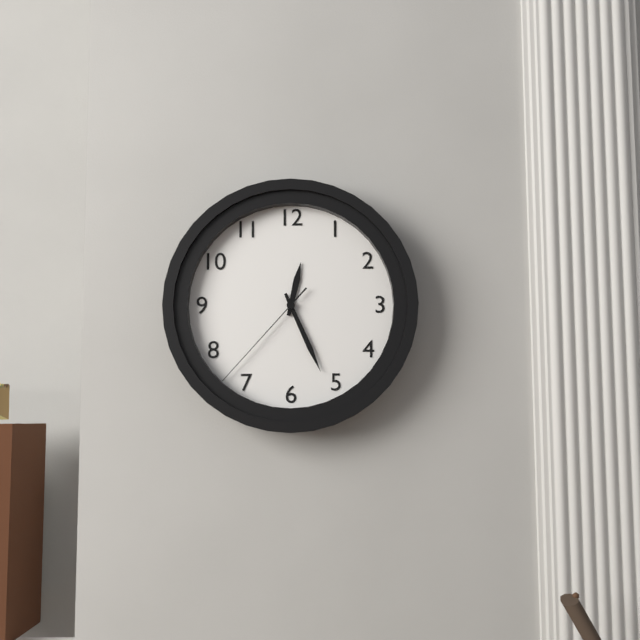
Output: **12:26:37**
